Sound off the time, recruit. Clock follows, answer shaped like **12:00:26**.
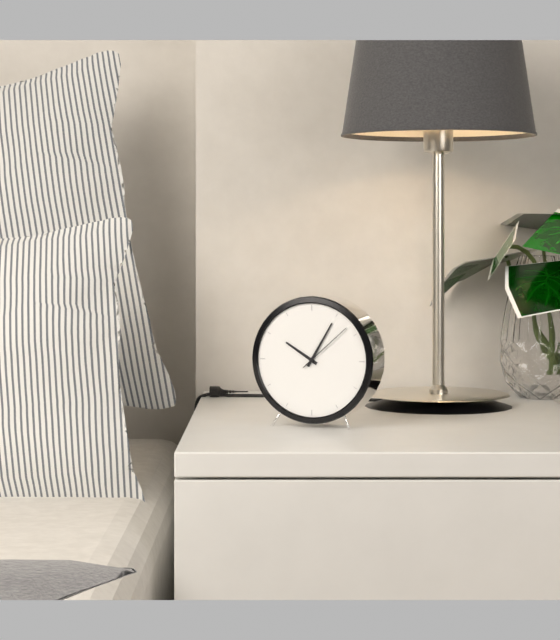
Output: **10:05:08**
